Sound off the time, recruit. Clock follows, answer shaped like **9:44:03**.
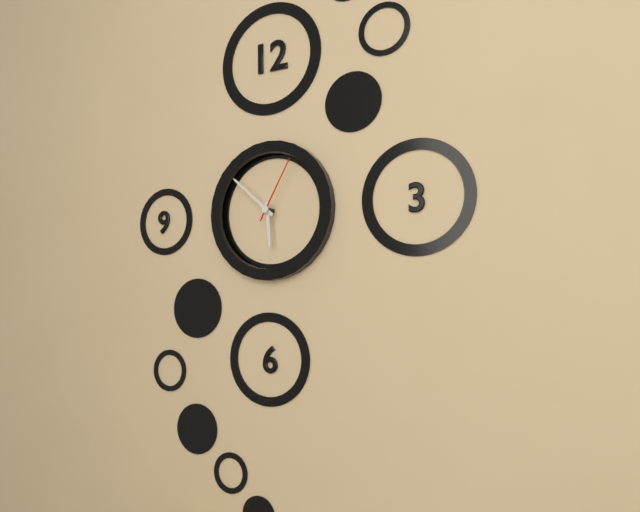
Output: **5:52:05**
